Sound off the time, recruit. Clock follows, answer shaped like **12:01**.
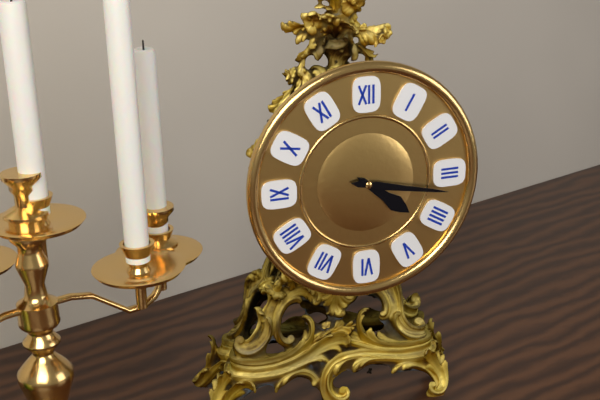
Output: **4:17**
